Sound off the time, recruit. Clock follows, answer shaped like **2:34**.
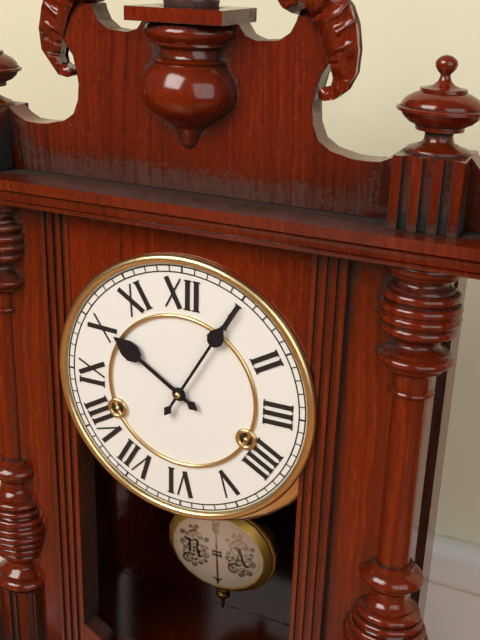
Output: **10:05**
